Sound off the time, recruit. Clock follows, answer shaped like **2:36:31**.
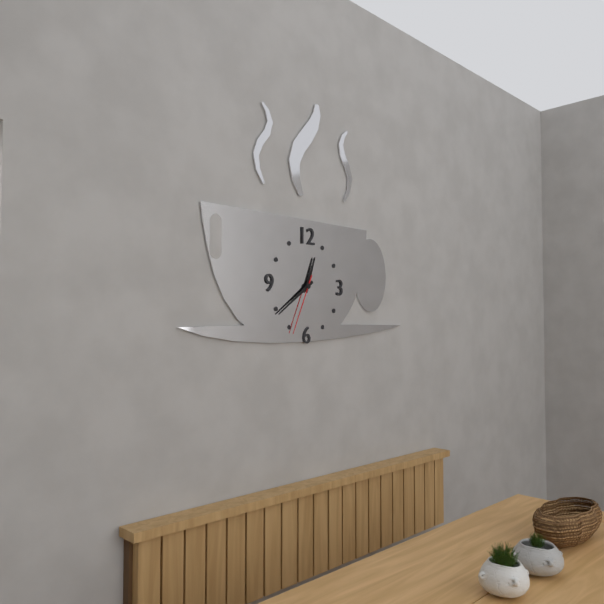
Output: **12:39:34**
